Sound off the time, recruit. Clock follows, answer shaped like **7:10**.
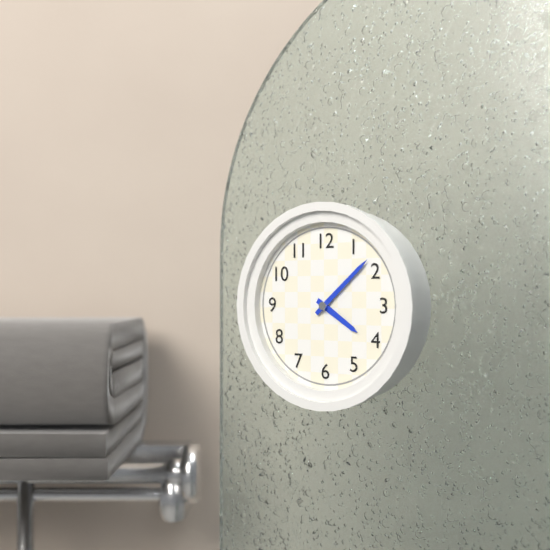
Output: **4:08**
